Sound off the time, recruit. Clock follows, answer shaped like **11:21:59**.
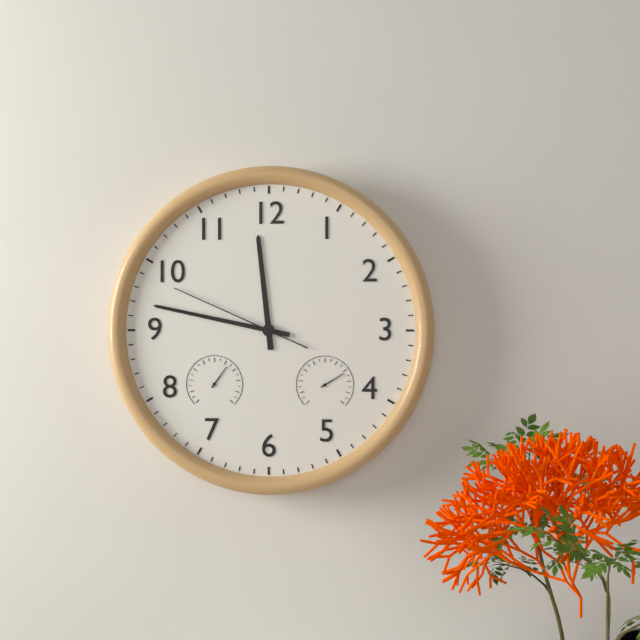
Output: **11:47:49**
